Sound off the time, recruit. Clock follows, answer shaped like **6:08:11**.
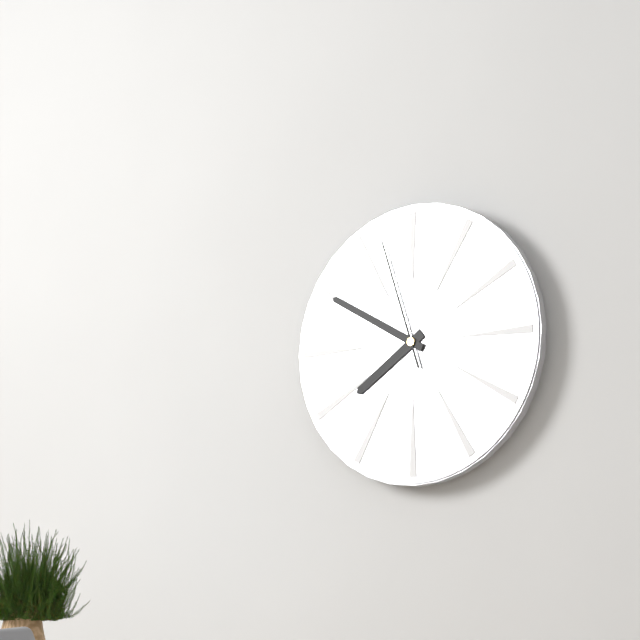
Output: **7:50:57**
